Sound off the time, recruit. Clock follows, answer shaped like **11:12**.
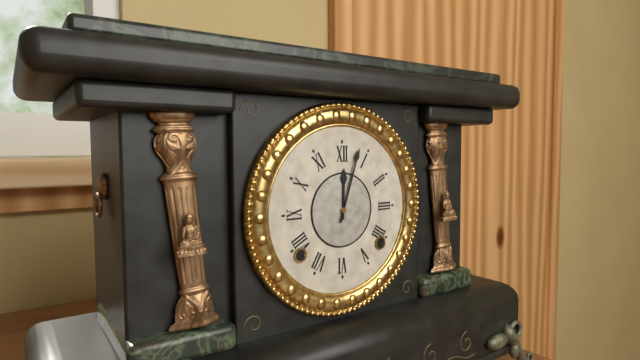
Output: **12:03**
